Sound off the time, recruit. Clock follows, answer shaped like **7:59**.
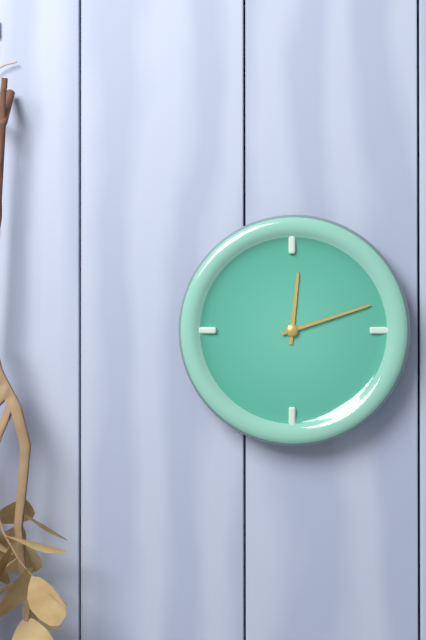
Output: **12:12**
